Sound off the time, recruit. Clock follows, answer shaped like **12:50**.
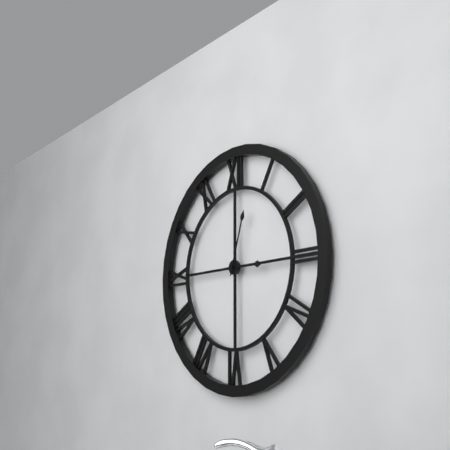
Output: **3:03**
